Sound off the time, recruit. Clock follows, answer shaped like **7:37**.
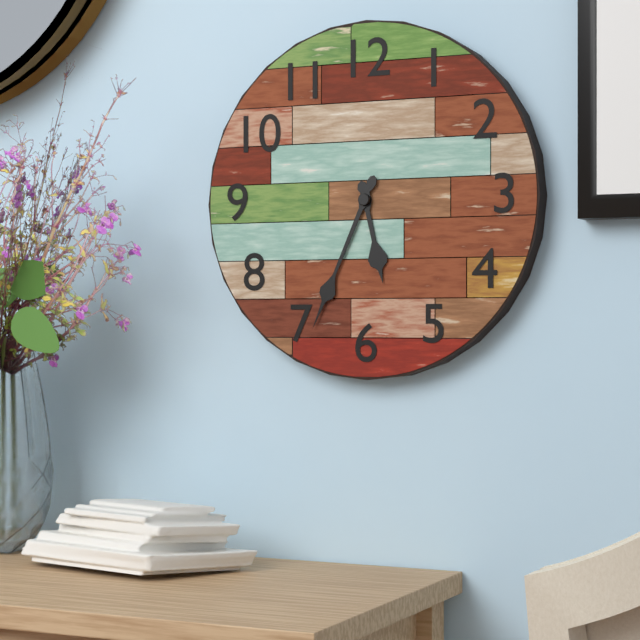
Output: **5:34**
